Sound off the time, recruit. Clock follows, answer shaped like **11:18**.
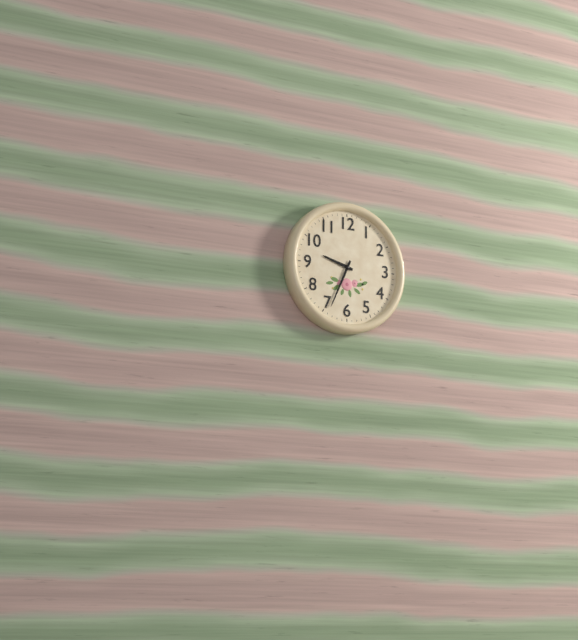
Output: **9:34**
